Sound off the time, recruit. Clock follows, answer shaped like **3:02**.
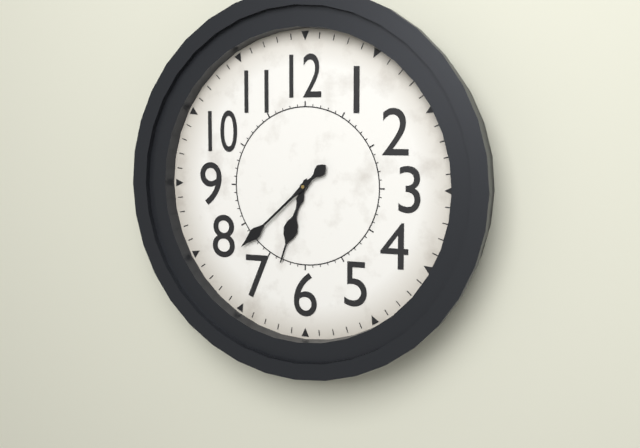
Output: **6:38**
